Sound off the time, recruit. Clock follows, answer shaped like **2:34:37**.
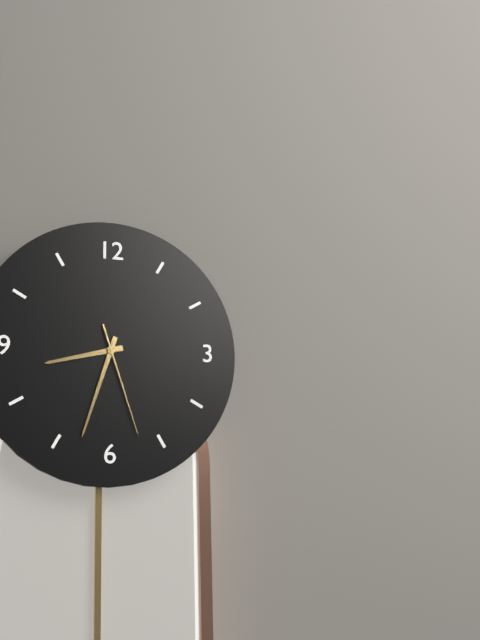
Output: **8:33:27**
